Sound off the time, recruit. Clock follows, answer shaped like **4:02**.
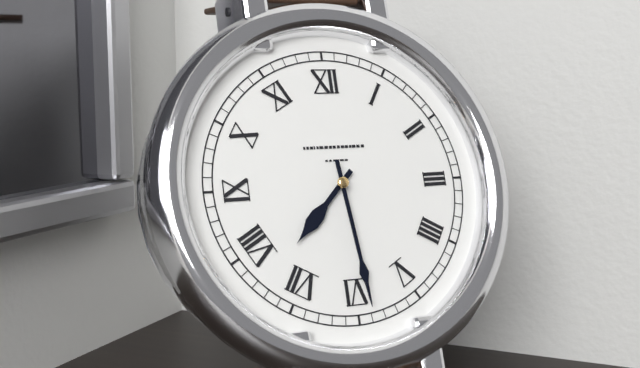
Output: **7:29**
